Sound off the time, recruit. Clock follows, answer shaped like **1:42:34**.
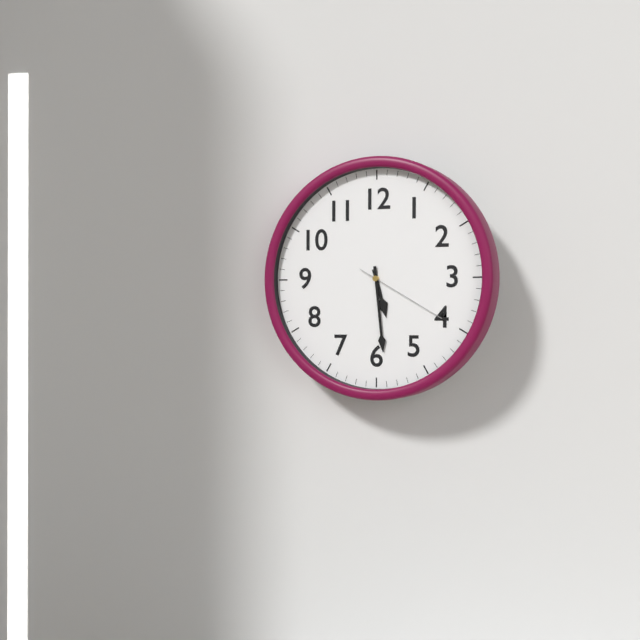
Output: **5:29:20**
